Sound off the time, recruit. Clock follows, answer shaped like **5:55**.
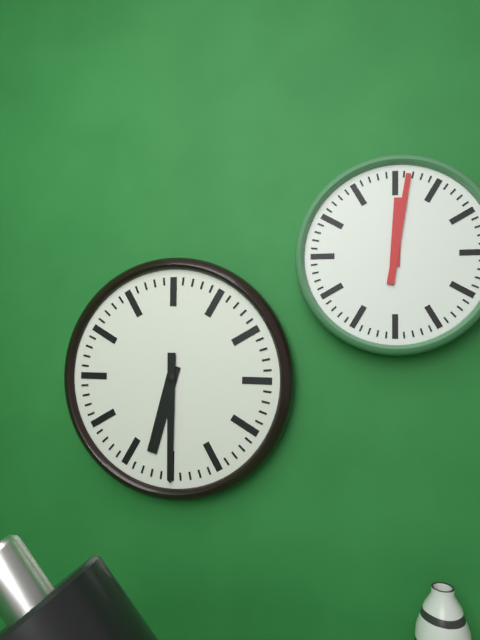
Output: **6:30**
